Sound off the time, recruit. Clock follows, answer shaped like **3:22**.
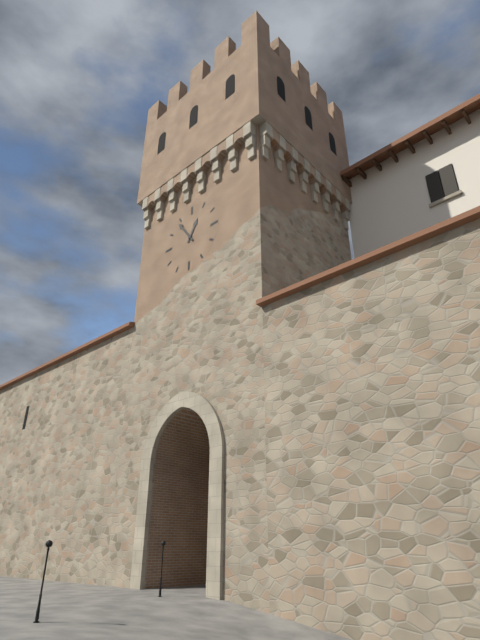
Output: **12:54**
